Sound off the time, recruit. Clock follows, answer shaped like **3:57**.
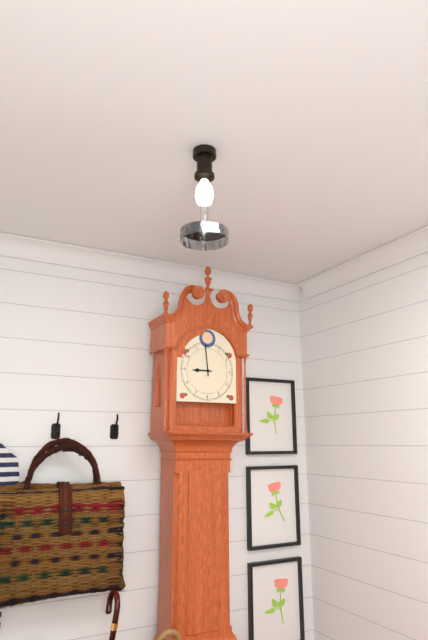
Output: **8:59**
